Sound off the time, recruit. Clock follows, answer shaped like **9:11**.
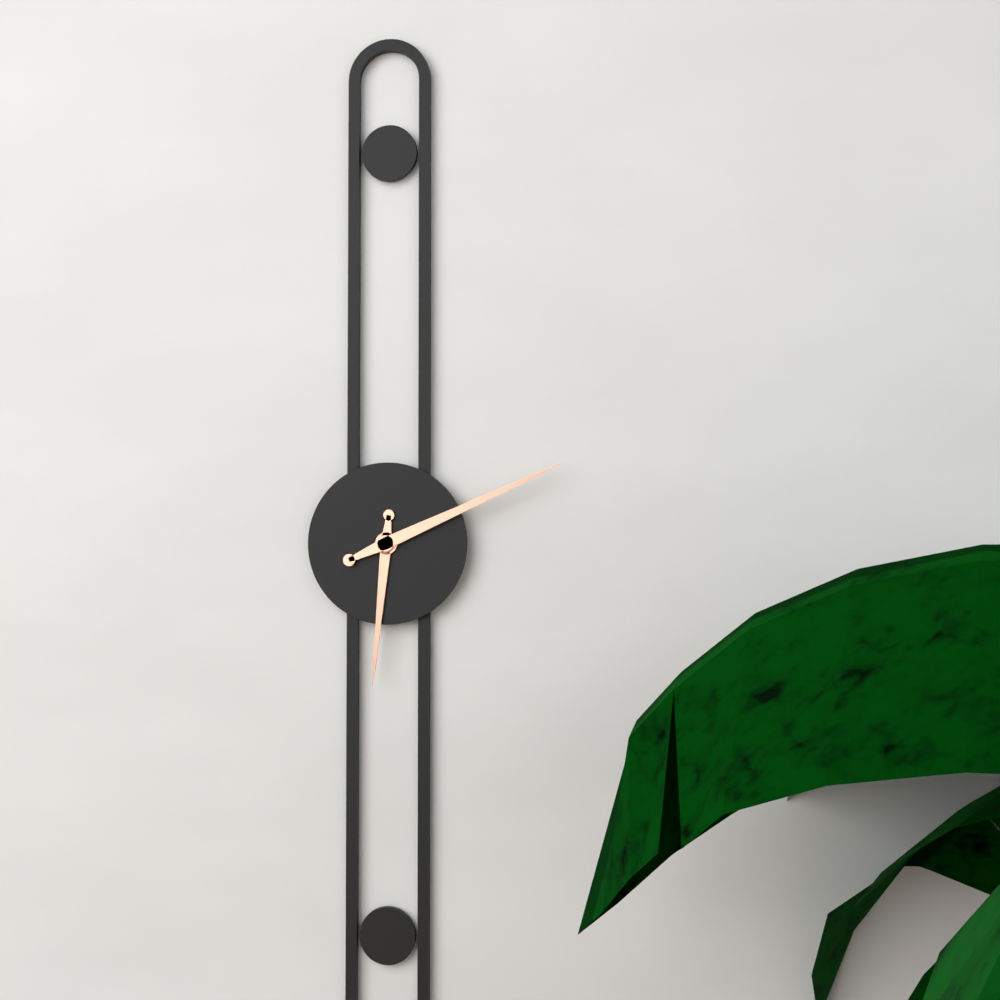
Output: **6:11**
